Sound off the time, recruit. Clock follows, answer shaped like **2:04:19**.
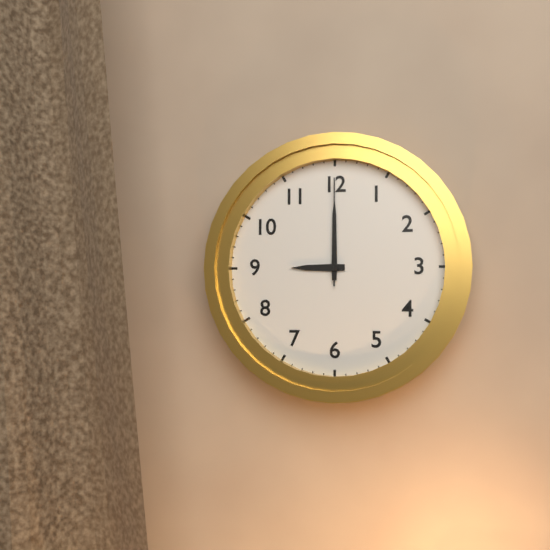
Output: **9:00:00**
